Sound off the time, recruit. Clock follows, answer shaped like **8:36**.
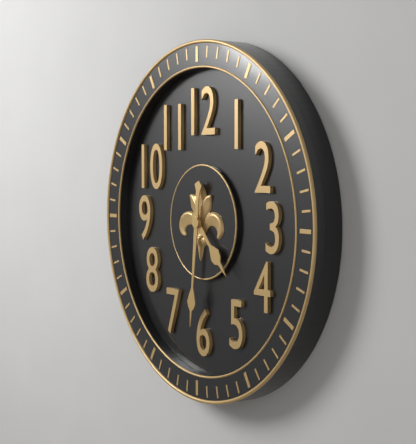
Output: **4:31**
